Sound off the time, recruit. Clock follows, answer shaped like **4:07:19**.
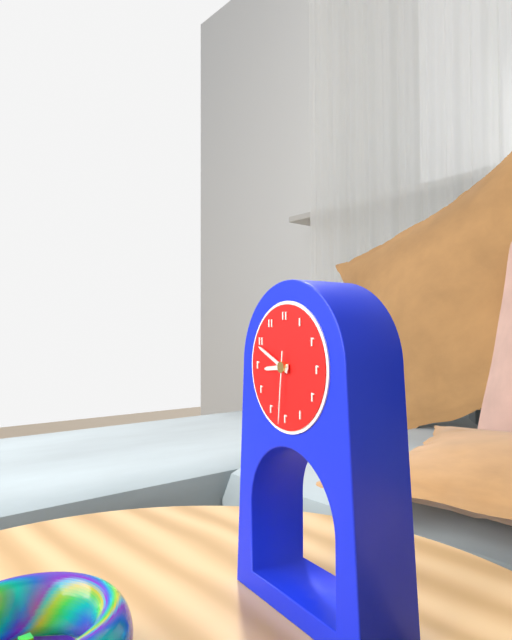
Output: **8:49:31**
